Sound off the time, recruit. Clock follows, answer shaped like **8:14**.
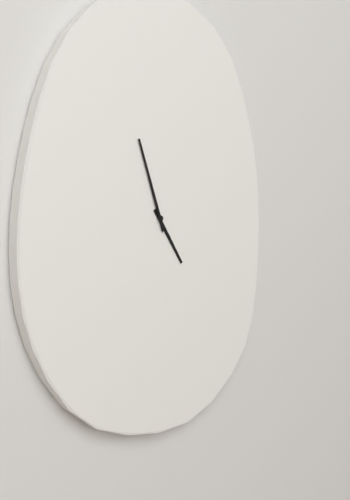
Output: **4:57**
